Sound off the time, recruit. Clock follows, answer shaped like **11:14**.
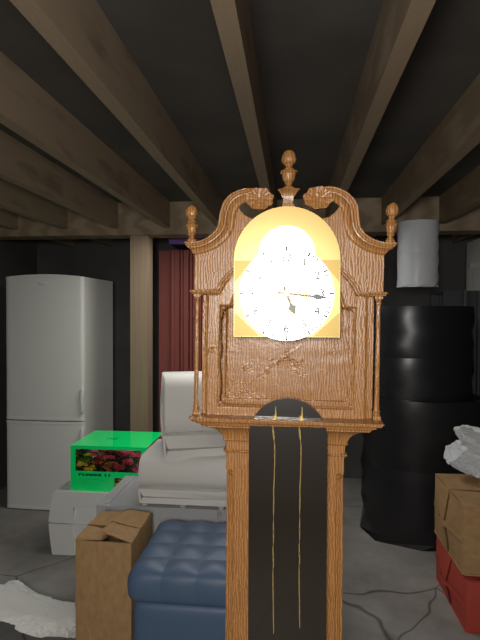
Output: **5:16**
